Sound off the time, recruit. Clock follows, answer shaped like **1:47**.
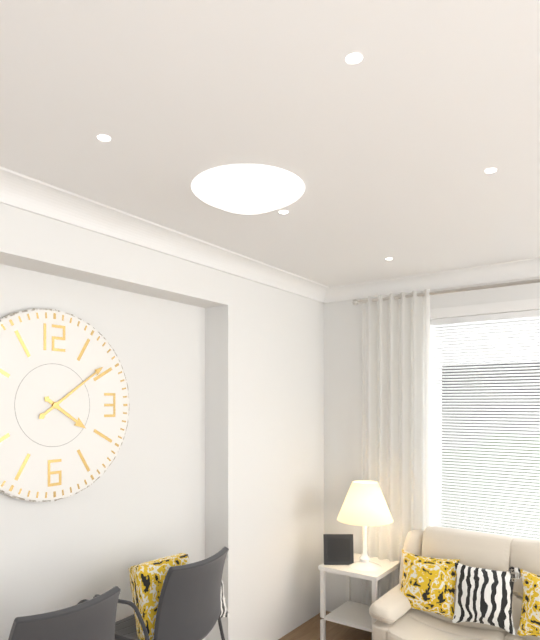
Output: **4:09**
